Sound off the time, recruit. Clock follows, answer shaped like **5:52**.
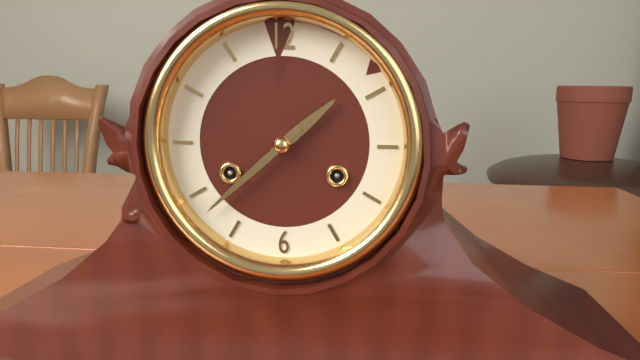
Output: **1:38**
